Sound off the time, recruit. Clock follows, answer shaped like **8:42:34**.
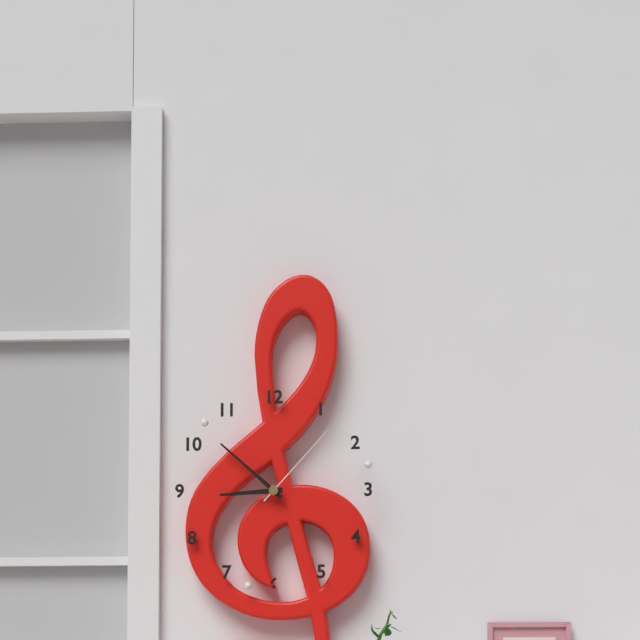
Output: **8:52:07**
